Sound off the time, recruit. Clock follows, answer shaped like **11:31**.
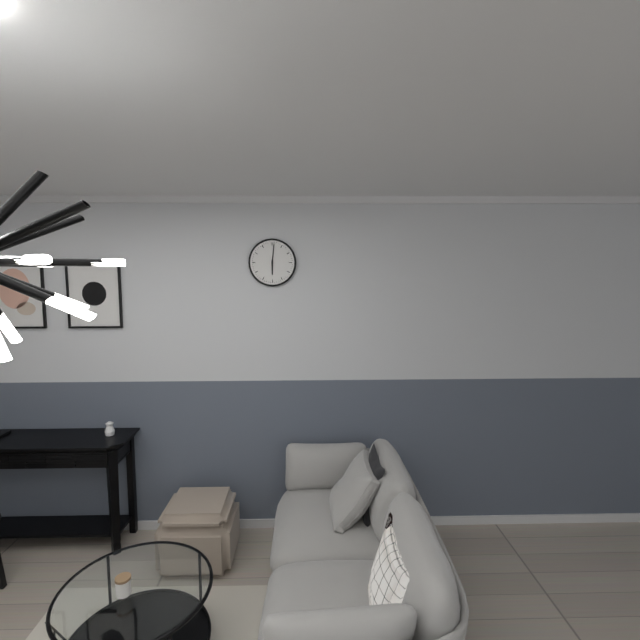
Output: **6:01**
